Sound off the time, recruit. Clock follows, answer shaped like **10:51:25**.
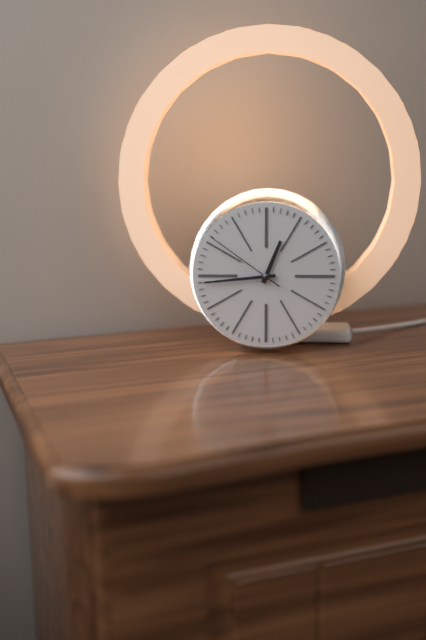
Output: **12:44:51**
